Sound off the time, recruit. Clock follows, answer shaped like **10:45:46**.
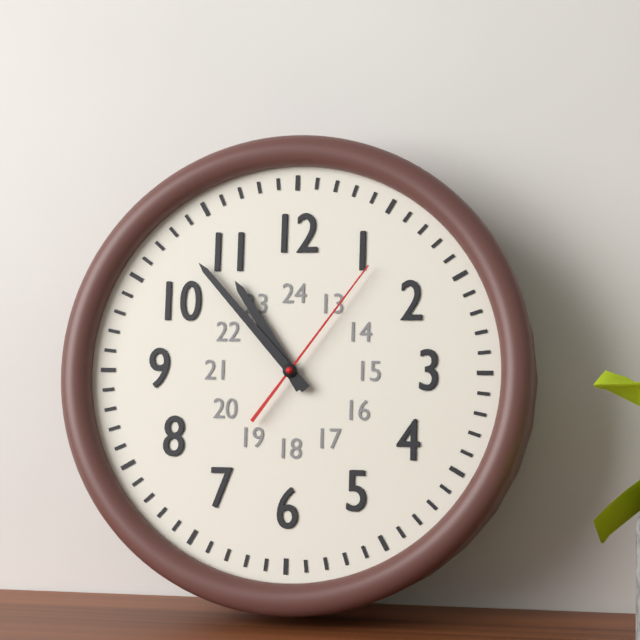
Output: **10:53:06**
